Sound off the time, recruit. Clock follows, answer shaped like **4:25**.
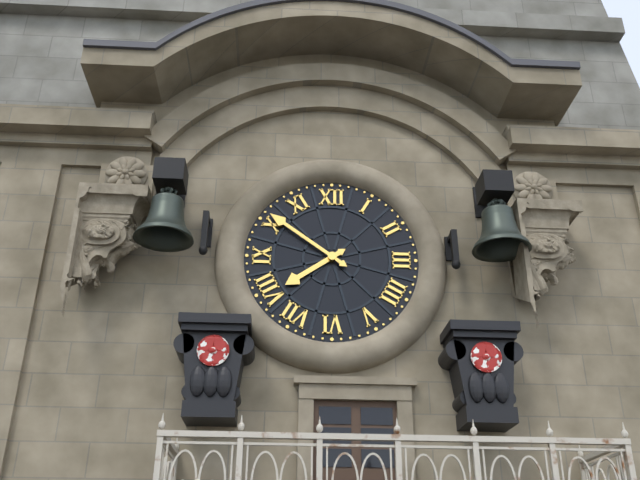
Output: **7:51**
